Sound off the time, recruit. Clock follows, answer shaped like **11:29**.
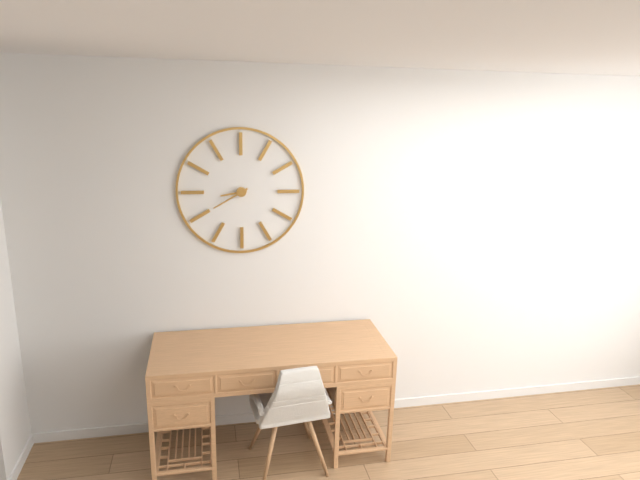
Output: **8:40**
